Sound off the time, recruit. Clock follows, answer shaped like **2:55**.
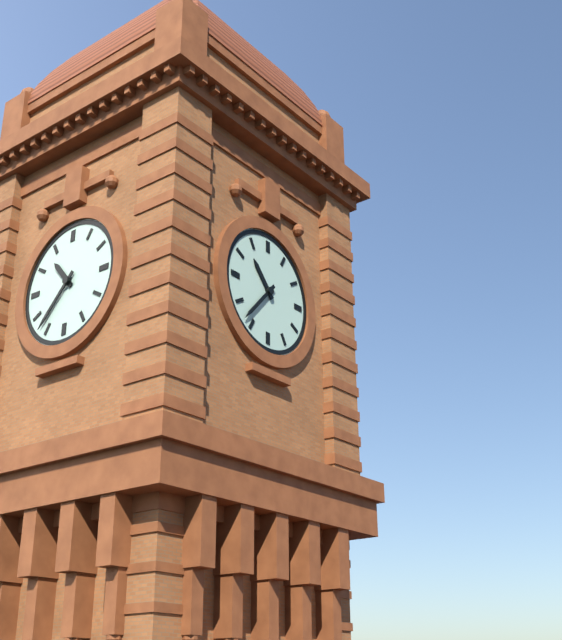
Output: **10:37**
